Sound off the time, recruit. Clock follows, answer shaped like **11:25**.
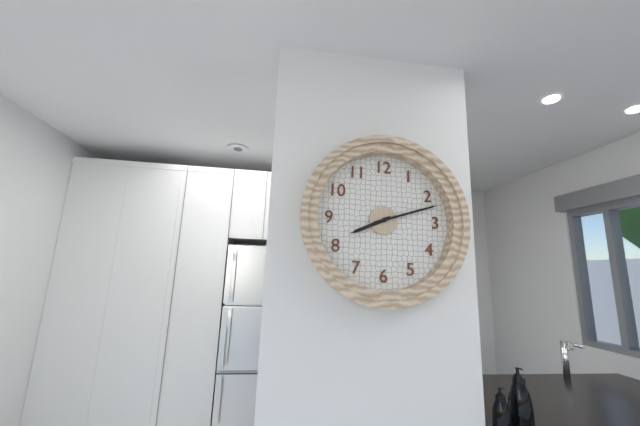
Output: **8:12**
